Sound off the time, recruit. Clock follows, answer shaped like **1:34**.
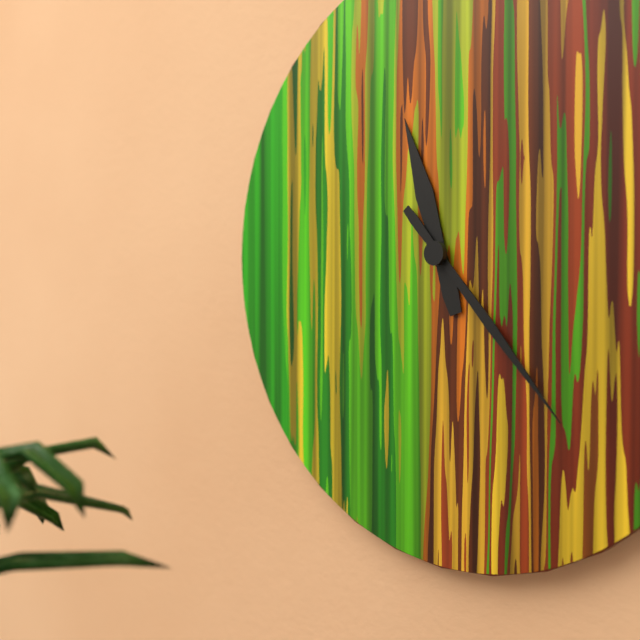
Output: **11:23**
